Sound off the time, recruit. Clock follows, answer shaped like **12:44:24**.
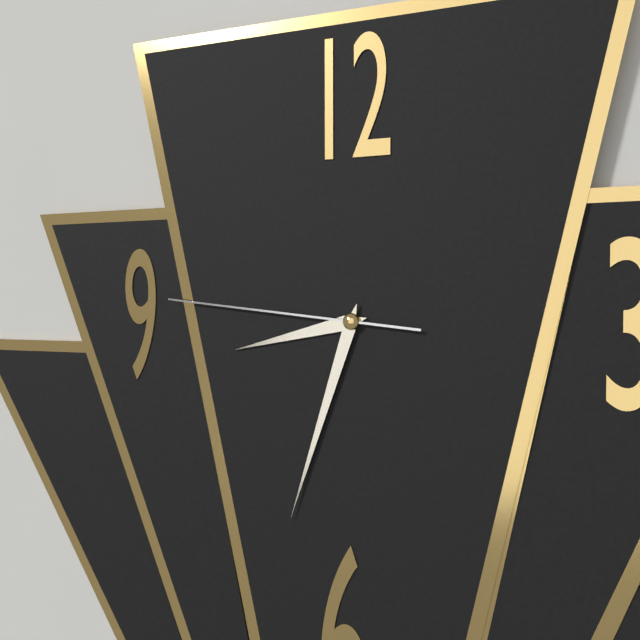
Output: **8:33:46**
